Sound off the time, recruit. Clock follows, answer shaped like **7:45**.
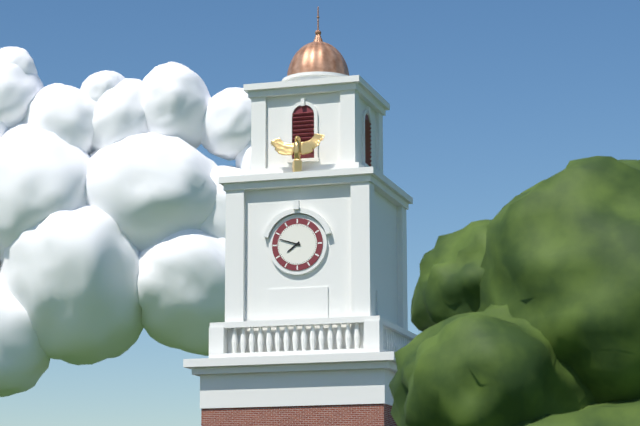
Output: **7:48**
